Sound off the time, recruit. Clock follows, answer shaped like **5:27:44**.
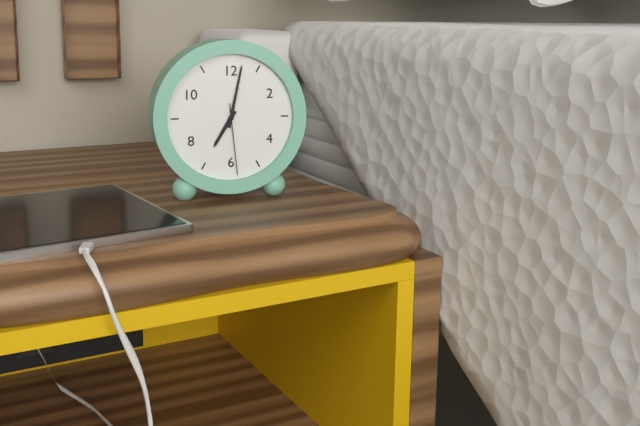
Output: **7:02:29**
